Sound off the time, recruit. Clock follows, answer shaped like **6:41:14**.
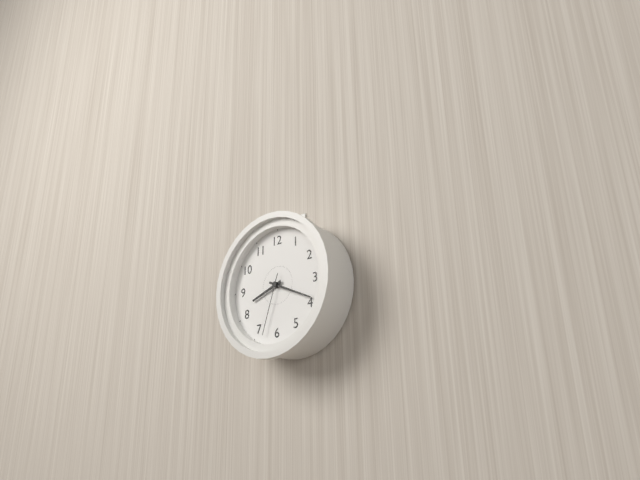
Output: **8:19:33**
